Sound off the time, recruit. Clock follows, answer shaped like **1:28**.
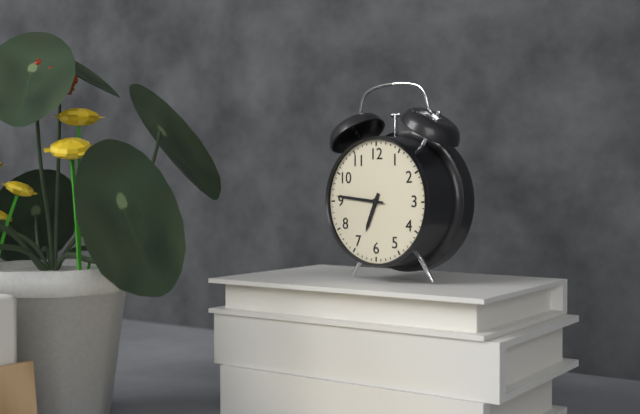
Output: **6:46**
